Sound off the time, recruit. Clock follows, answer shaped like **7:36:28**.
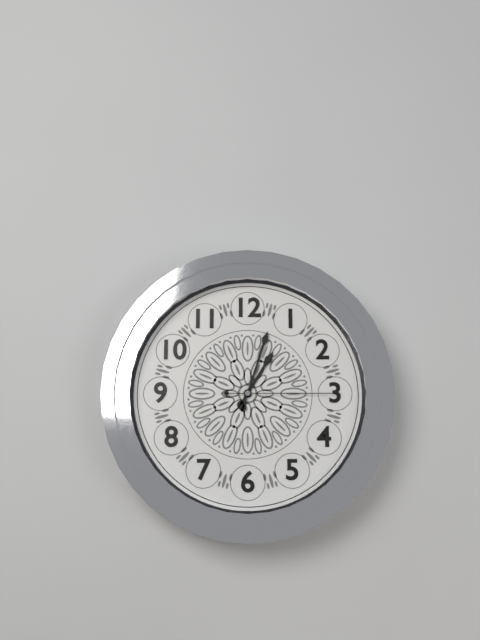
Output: **1:03:15**
